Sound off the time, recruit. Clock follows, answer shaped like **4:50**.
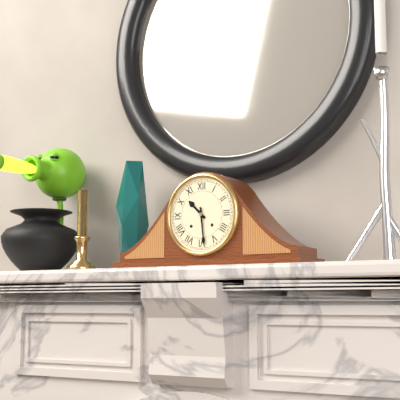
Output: **10:29**
